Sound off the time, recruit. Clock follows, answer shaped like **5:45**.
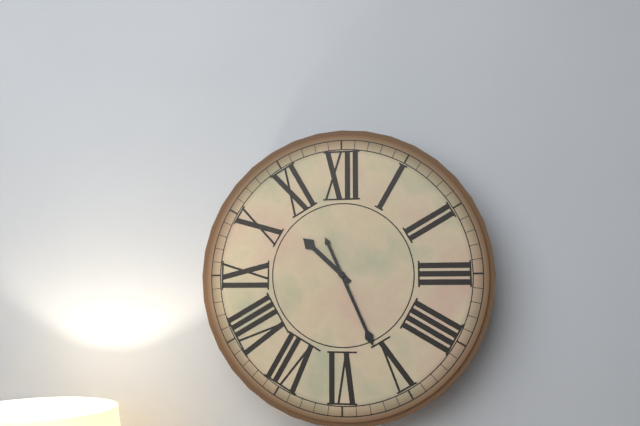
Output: **10:26**
